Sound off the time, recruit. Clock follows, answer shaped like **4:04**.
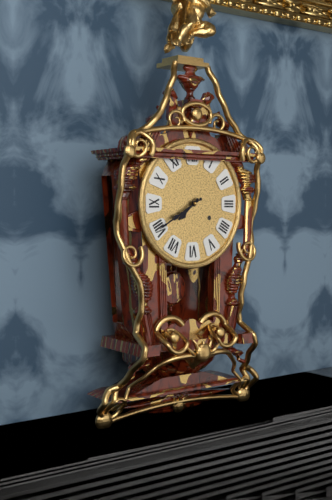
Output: **7:40**
